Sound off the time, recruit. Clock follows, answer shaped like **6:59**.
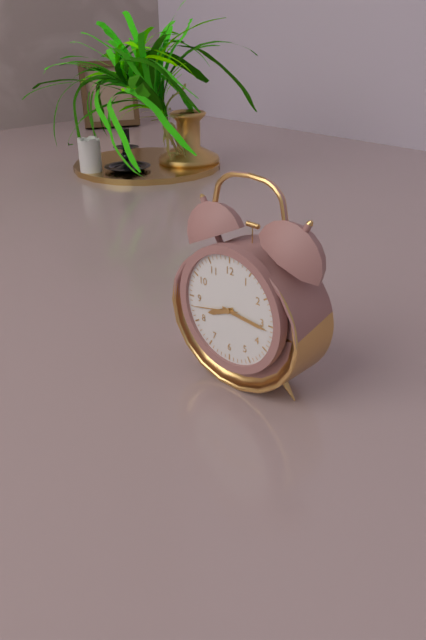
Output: **8:16**
